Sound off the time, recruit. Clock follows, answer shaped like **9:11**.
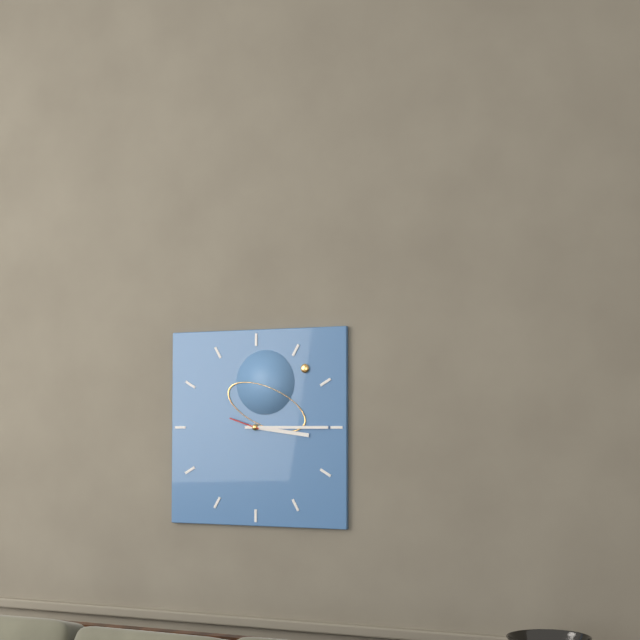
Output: **3:15**
